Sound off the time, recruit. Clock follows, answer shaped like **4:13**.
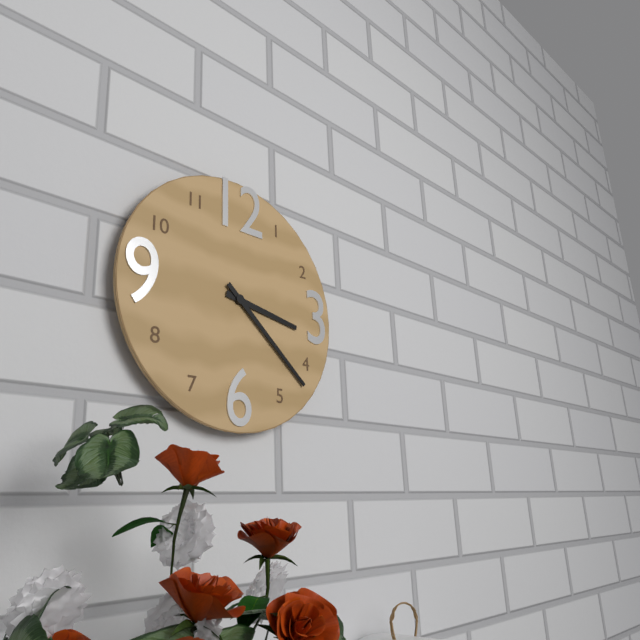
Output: **3:22**
